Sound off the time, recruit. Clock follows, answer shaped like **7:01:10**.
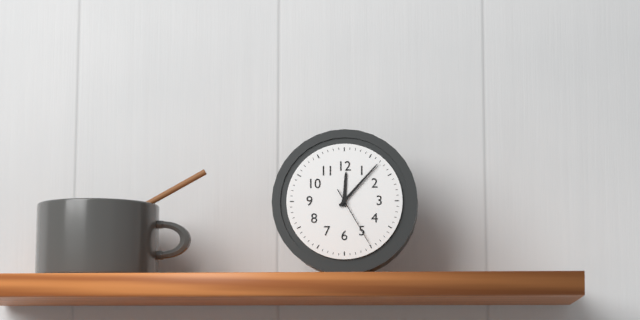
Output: **12:07:25**
